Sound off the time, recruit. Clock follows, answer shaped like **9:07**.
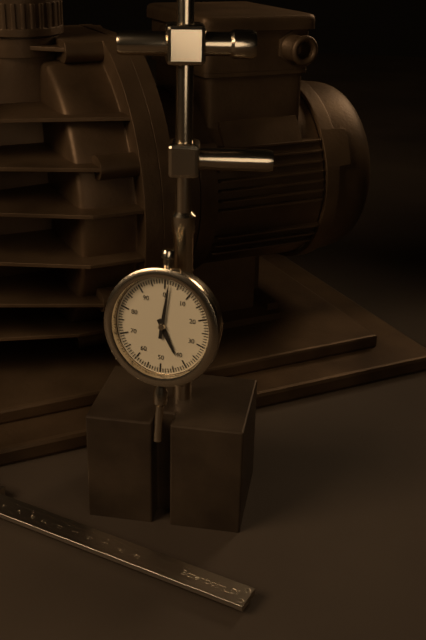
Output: **5:01**
